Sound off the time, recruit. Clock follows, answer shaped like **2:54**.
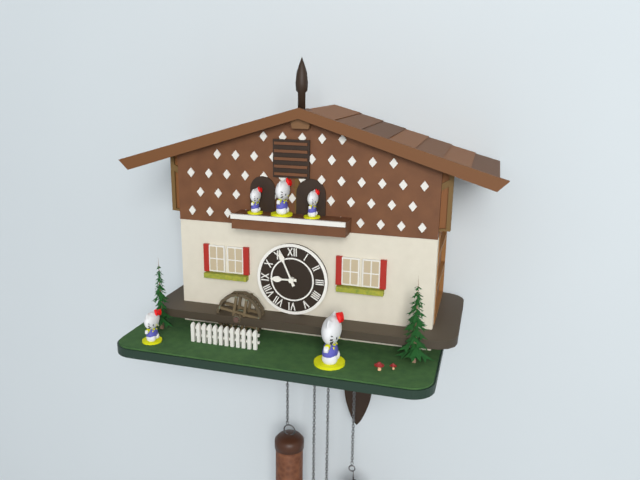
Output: **8:56**
